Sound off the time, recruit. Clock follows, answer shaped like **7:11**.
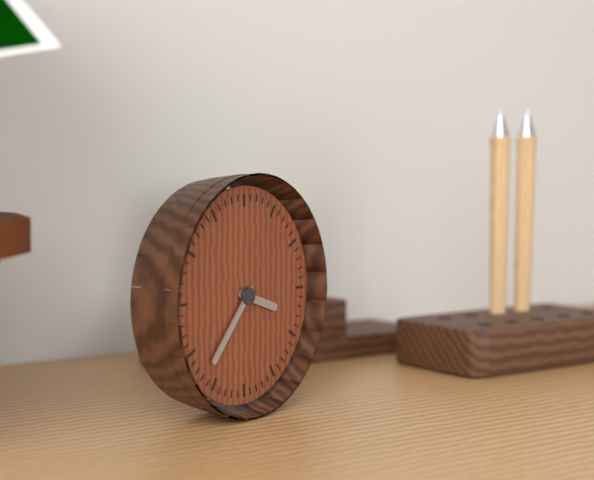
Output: **3:37**
